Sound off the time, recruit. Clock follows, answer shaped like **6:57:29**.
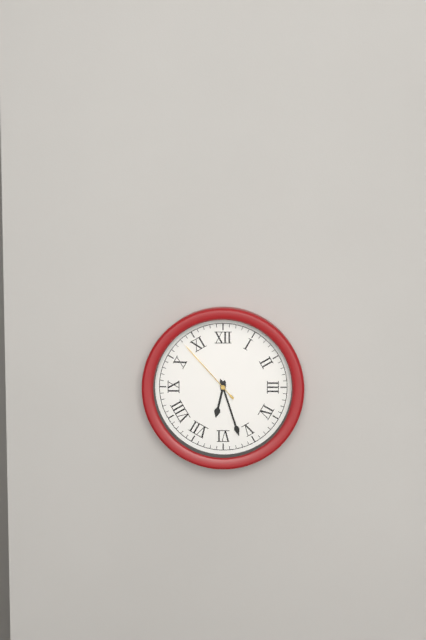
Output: **6:27:53**
